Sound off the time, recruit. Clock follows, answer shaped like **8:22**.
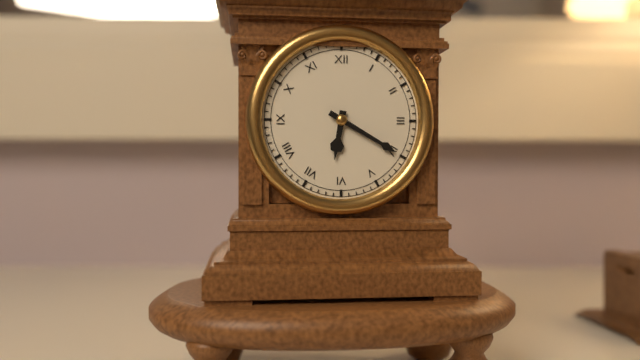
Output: **6:20**
